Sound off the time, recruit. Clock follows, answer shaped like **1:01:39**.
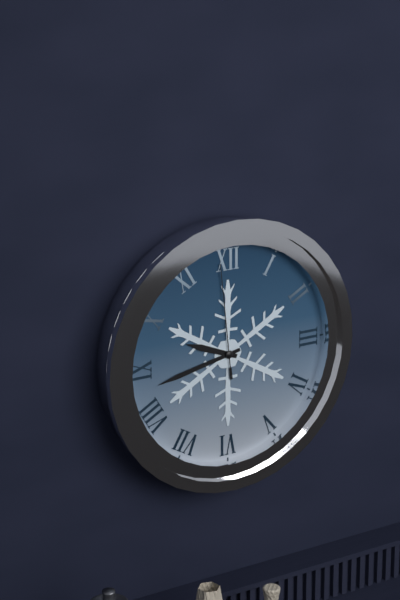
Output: **9:43:59**
